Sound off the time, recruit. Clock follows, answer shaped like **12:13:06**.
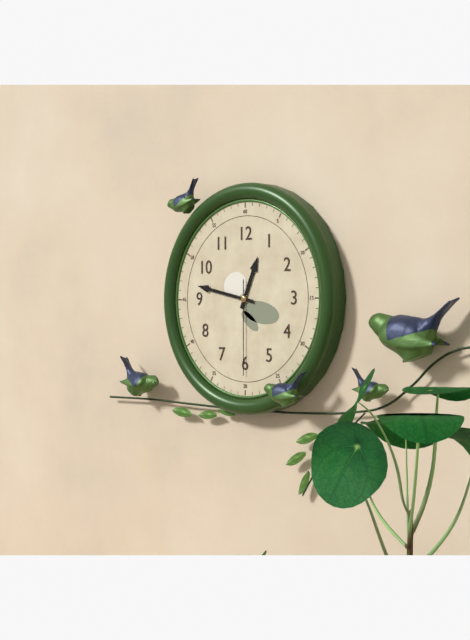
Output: **12:47:30**
